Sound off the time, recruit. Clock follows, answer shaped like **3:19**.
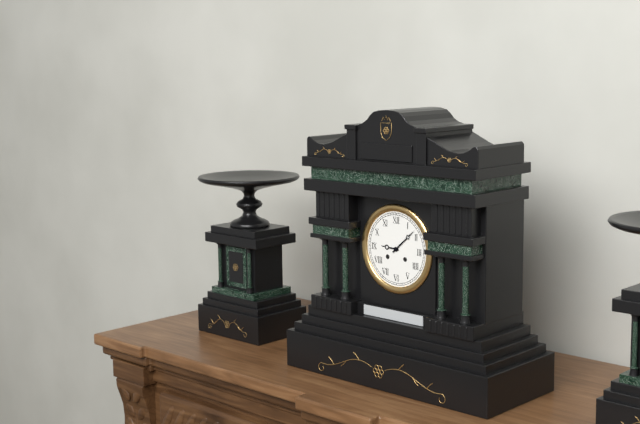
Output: **9:08**
